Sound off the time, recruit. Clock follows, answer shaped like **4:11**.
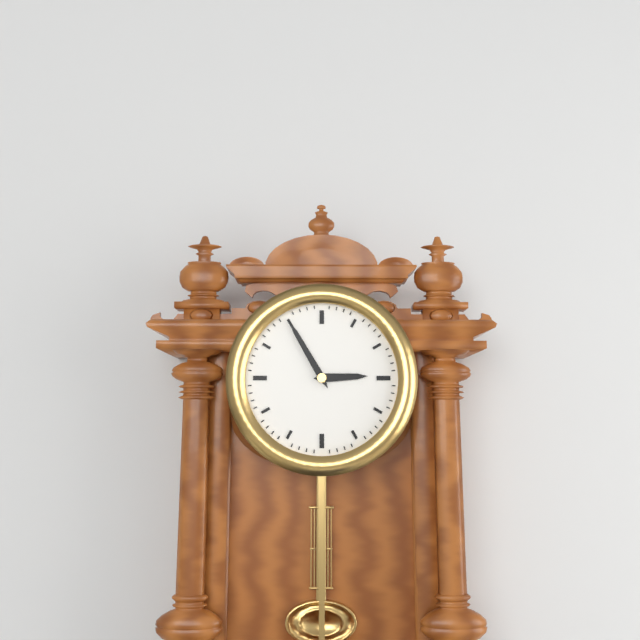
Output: **2:55**
